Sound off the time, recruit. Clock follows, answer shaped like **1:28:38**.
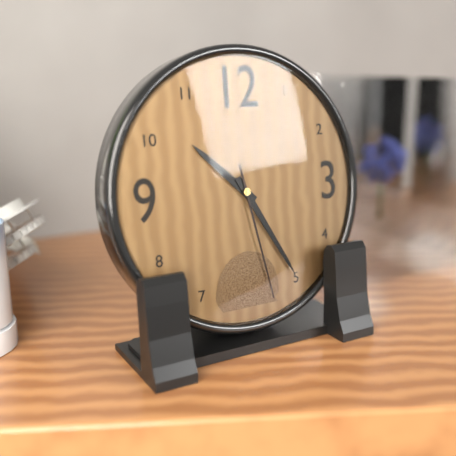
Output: **10:25:28**
